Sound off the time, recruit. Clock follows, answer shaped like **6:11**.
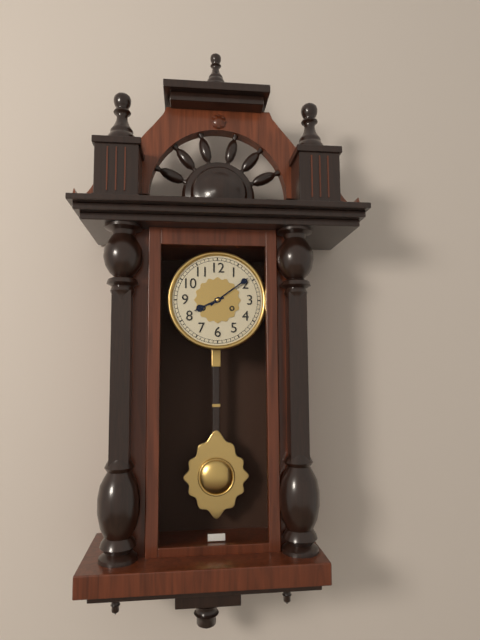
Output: **8:09**
